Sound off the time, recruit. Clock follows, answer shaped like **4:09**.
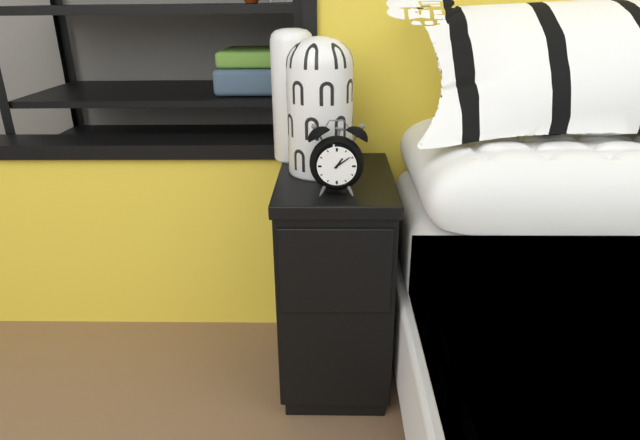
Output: **1:09**
